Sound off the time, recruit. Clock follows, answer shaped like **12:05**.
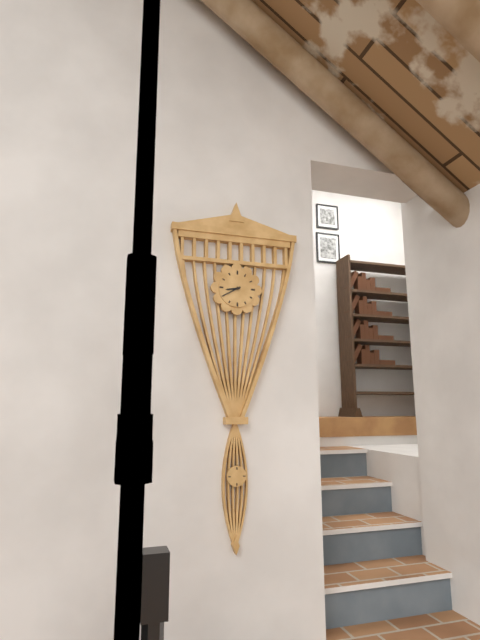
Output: **8:40**
